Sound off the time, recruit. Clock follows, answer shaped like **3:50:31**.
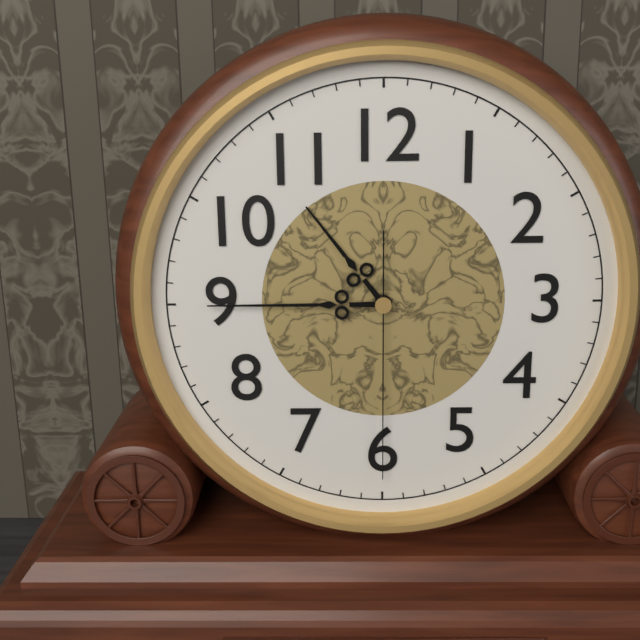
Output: **10:45:30**
